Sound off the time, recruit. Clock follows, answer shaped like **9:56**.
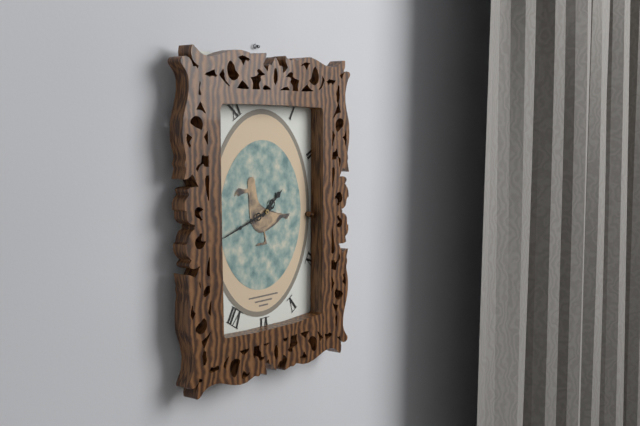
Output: **1:42**
